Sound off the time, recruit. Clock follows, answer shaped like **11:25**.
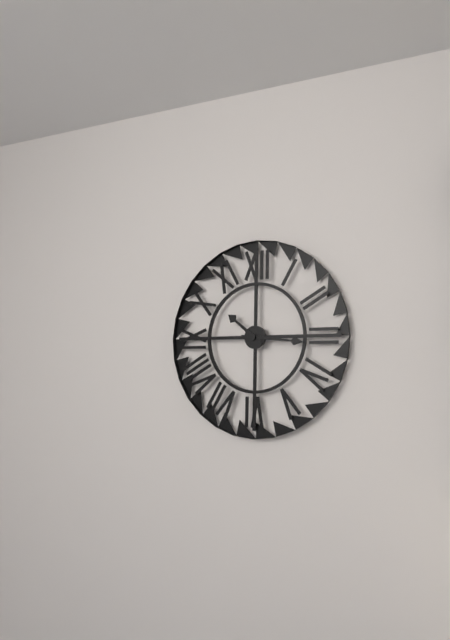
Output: **10:16**
